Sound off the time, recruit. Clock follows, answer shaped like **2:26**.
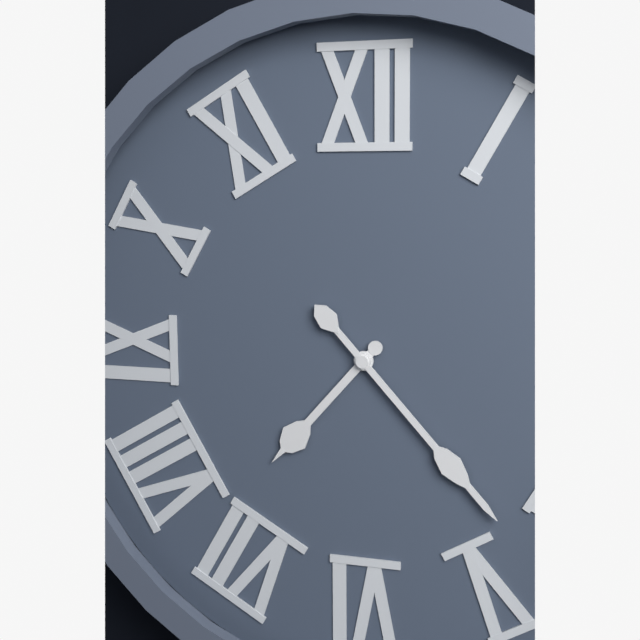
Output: **7:23**
